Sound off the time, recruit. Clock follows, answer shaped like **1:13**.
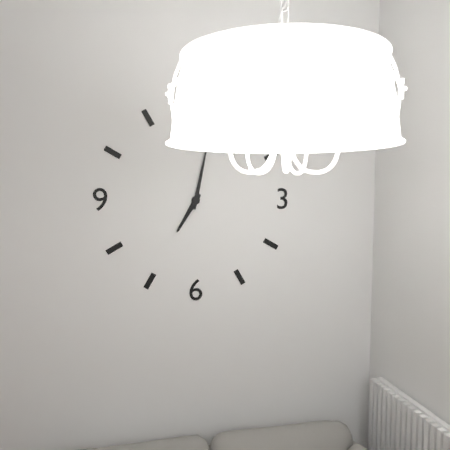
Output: **7:02**
